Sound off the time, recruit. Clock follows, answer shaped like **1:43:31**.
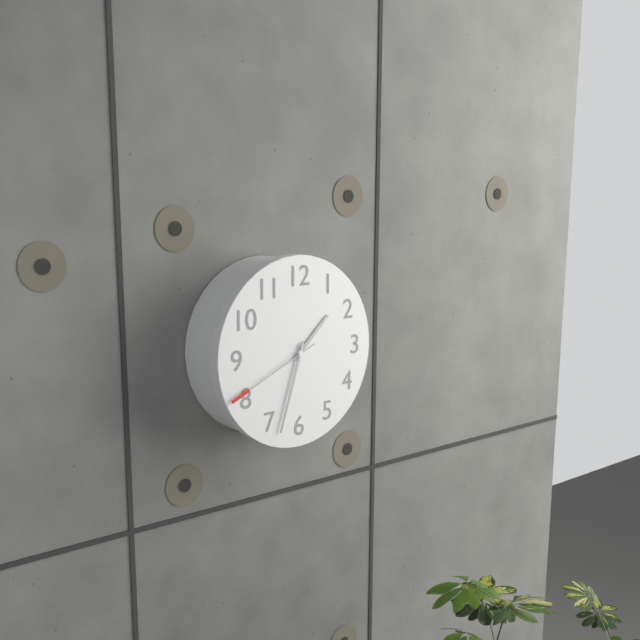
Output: **1:33:41**
